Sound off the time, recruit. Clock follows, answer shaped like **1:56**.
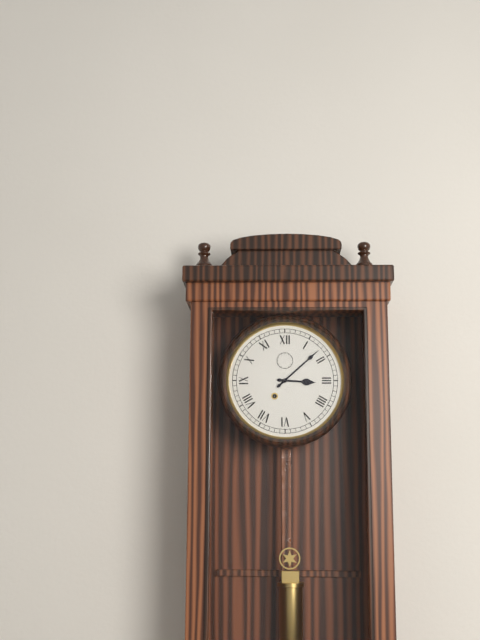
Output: **3:08**
